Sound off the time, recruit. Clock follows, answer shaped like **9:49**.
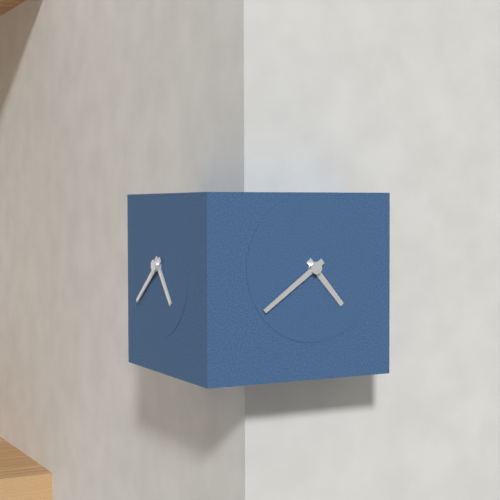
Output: **4:39**
